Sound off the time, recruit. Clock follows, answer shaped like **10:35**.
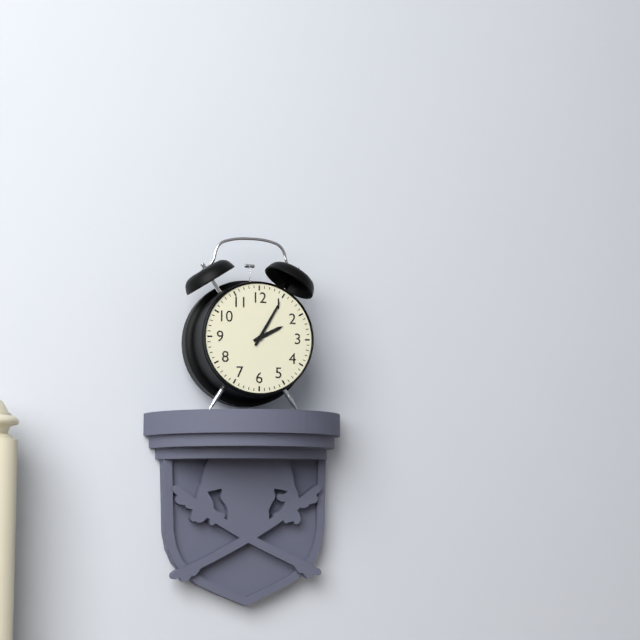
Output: **2:05**
